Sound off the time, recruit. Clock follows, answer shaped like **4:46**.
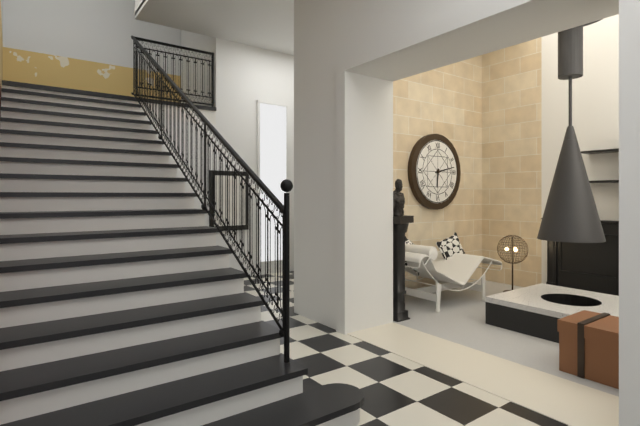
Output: **6:13**
